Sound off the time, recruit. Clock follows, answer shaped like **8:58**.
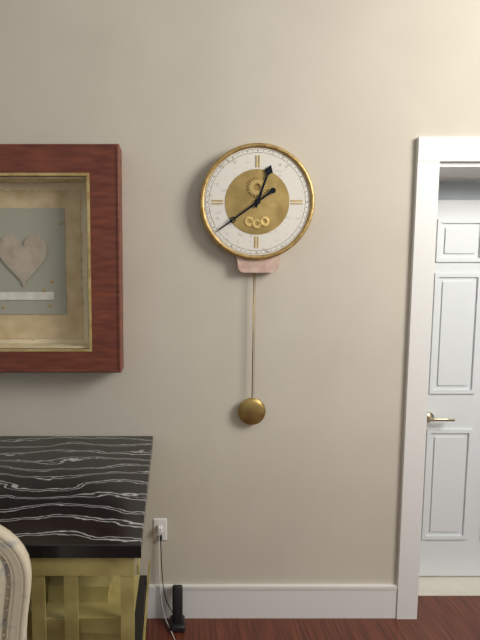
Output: **12:39**
